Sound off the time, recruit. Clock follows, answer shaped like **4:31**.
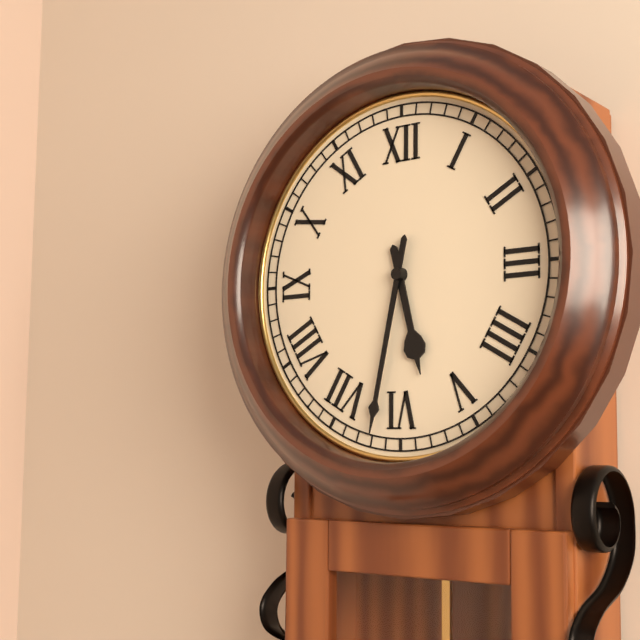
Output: **5:32**
